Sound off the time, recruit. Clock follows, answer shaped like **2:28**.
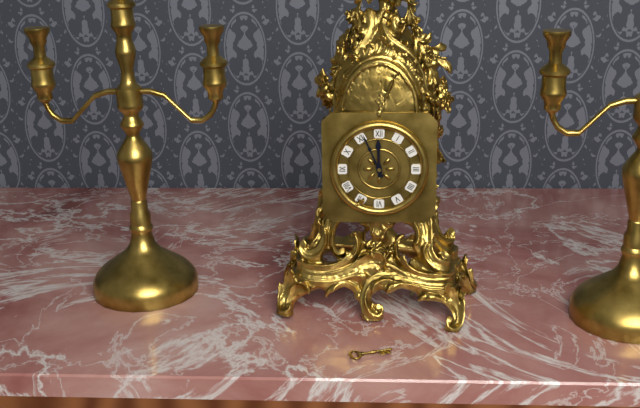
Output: **11:56**
